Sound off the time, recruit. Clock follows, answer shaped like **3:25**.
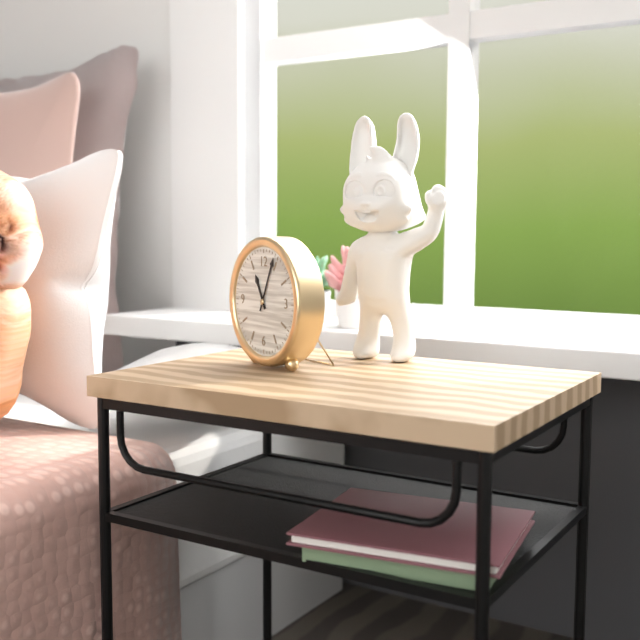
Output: **11:04**
